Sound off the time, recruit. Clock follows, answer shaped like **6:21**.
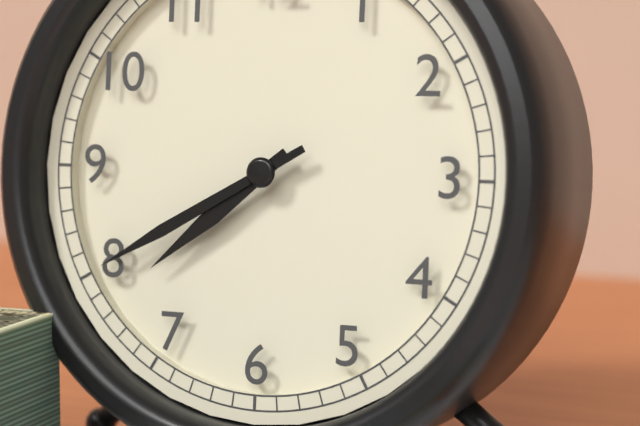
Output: **7:40**
